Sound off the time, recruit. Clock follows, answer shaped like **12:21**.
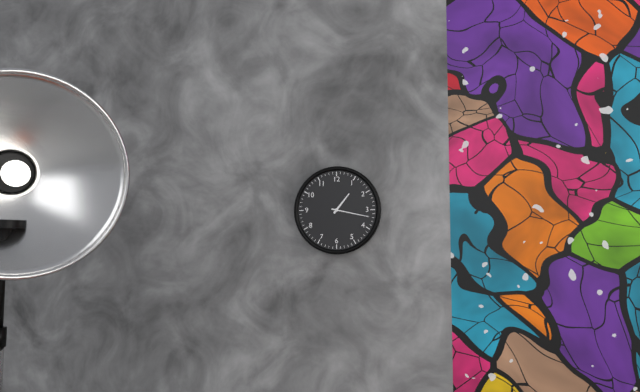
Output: **1:17**
